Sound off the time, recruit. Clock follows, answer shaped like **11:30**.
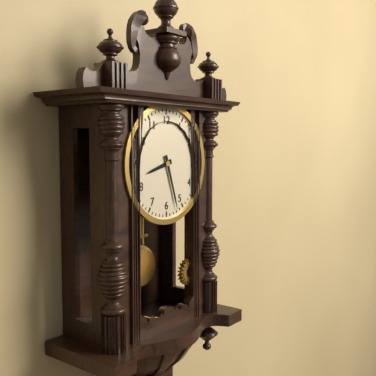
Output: **8:27**
